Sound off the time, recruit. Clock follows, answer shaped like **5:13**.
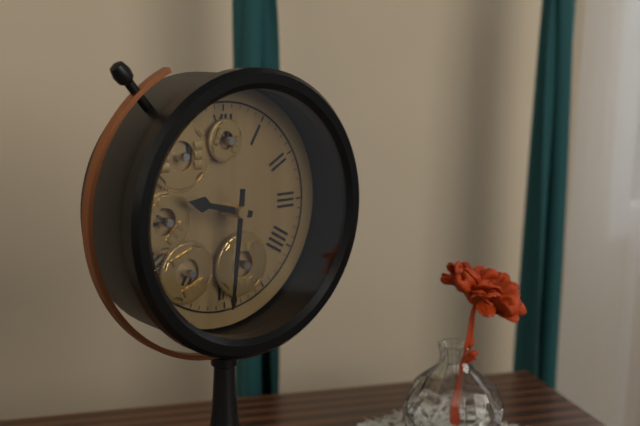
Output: **9:31**
